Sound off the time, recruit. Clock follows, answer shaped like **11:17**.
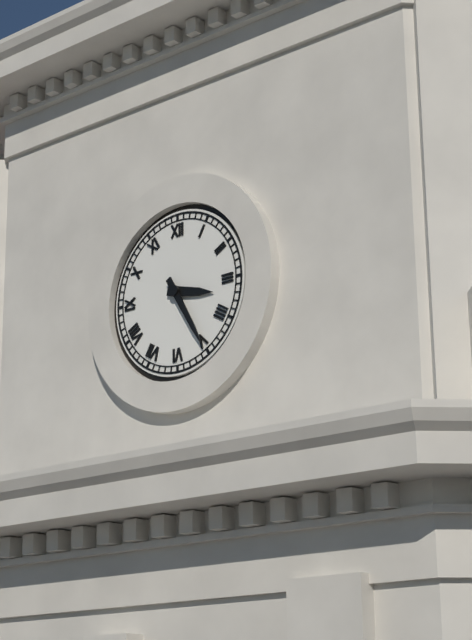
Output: **3:25**
